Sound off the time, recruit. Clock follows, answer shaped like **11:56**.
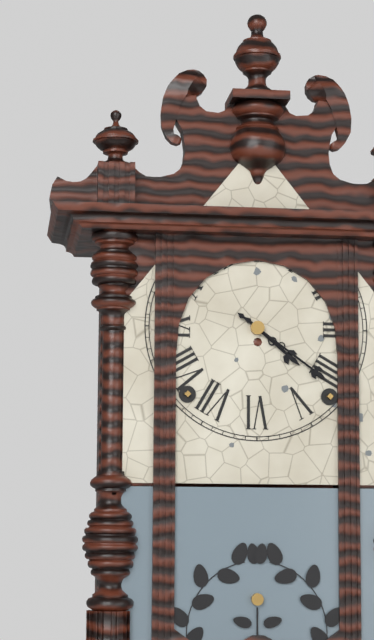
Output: **4:21**
